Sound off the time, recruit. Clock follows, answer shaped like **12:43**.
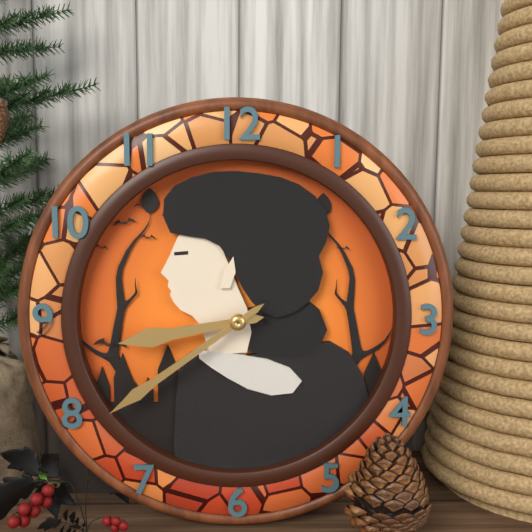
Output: **8:39**
